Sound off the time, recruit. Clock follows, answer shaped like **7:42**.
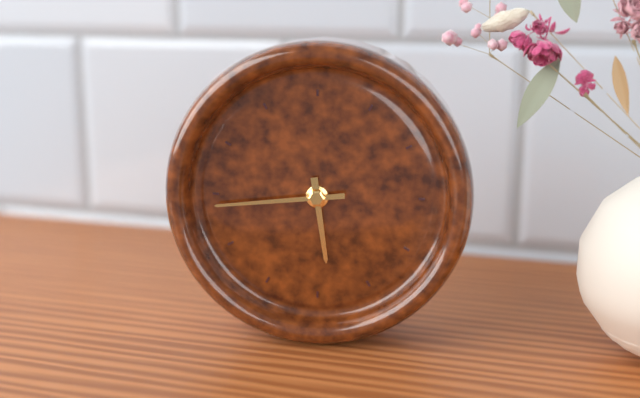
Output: **5:44**
